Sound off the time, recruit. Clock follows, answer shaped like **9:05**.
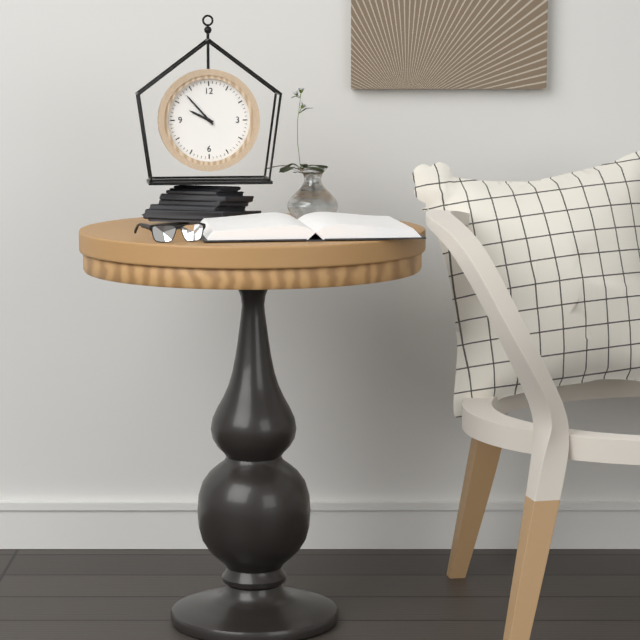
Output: **9:53**
